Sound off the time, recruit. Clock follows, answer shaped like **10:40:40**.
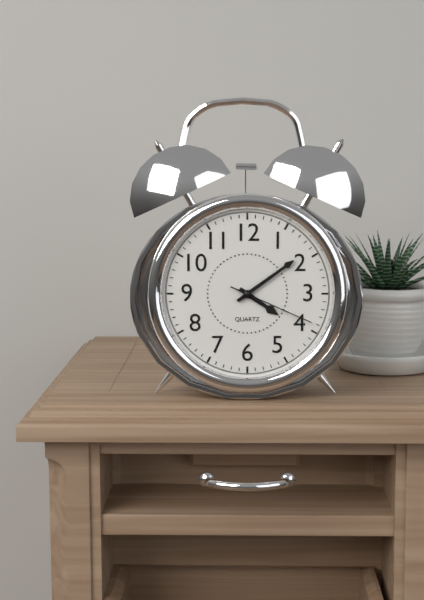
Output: **4:09:19**
